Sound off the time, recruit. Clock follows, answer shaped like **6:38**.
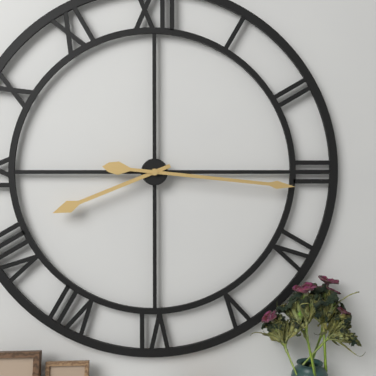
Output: **8:16**
